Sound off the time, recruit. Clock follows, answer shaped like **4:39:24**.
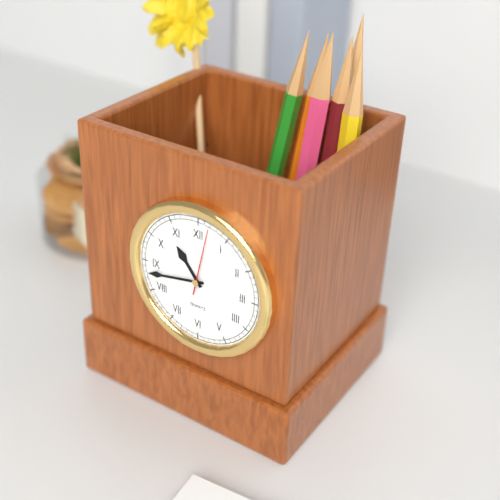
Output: **10:43:02**
